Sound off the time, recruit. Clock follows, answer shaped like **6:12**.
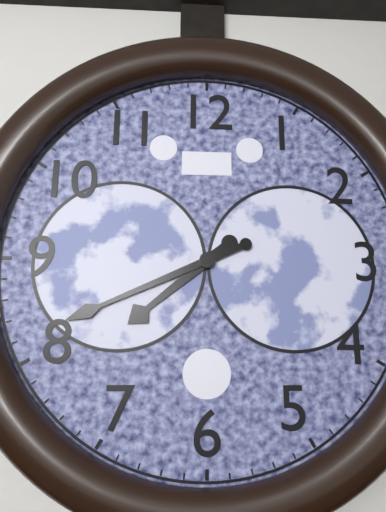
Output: **7:41**
